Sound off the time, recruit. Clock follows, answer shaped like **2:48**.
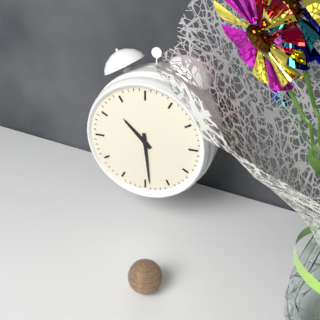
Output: **10:29**
